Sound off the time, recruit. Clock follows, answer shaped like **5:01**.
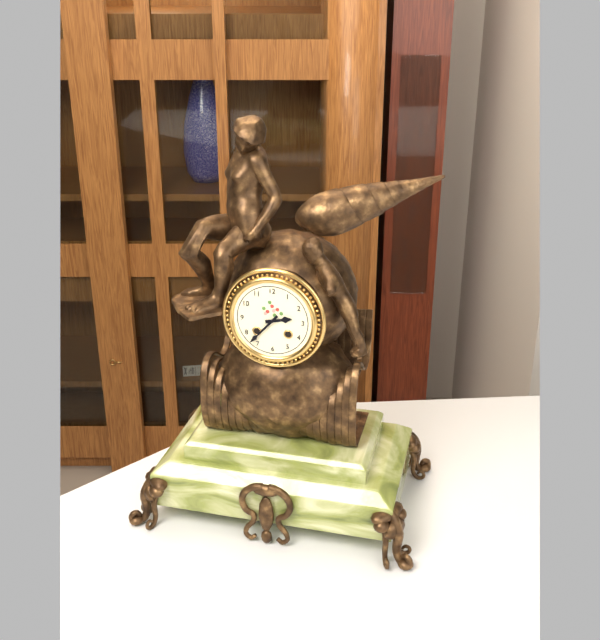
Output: **2:37**
